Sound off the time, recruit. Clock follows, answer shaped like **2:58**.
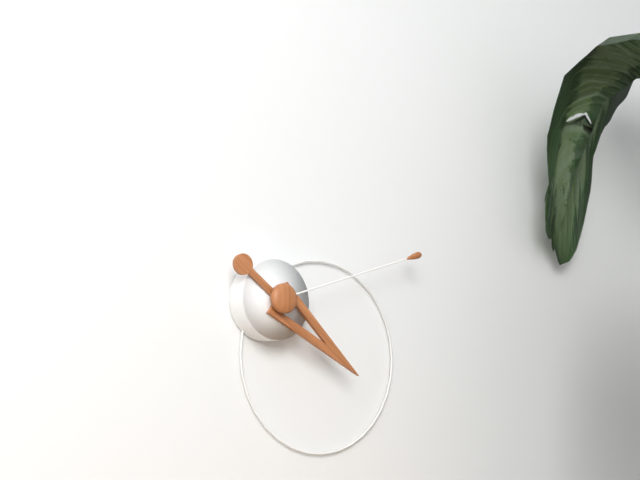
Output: **4:12**
